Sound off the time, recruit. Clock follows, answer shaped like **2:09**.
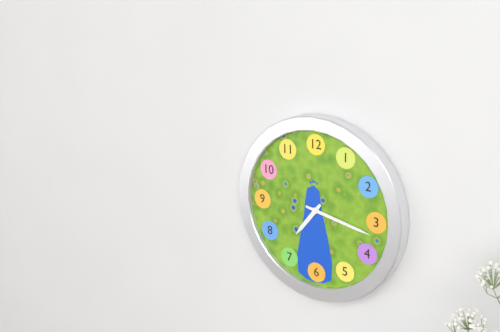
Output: **7:17**
